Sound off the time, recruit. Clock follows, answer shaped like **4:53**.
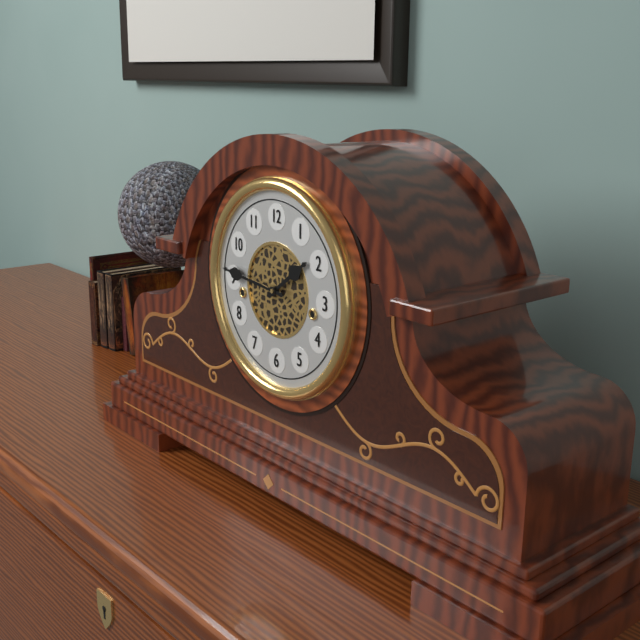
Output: **1:46**
